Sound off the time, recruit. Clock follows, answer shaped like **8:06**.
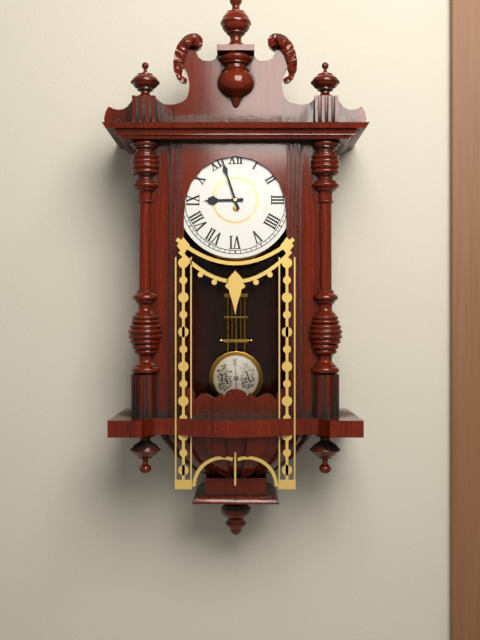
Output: **8:57**
